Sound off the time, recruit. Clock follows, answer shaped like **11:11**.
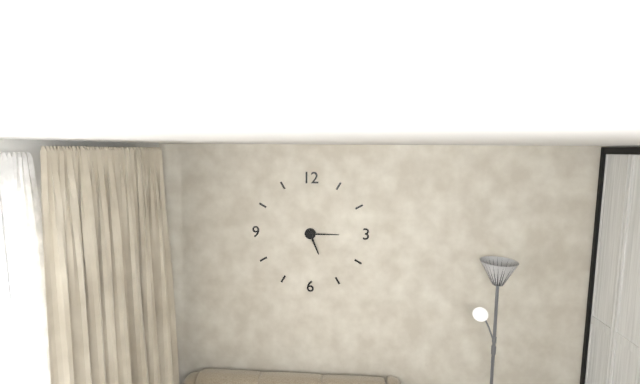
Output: **5:15**
